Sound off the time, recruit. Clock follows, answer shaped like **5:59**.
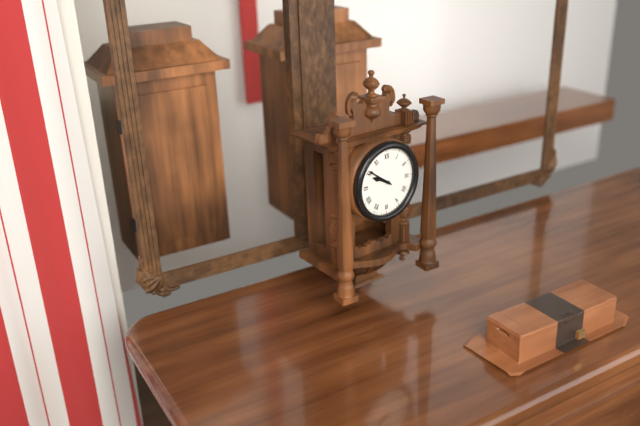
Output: **9:51**
